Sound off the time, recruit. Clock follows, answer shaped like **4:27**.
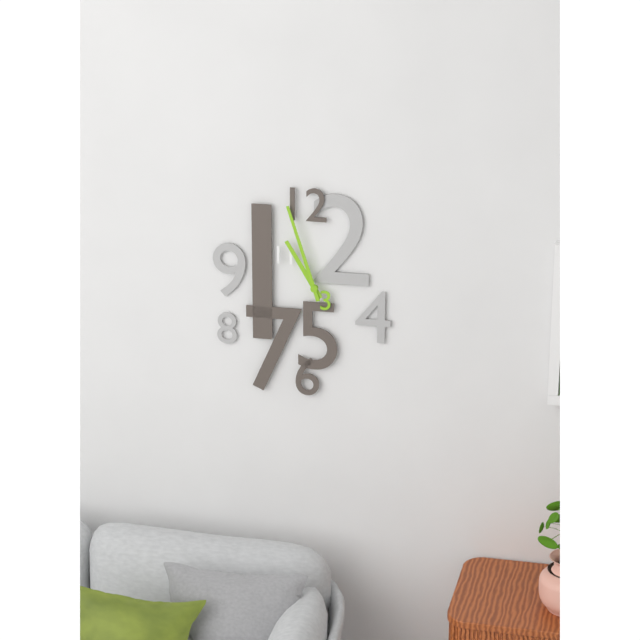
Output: **10:57**
